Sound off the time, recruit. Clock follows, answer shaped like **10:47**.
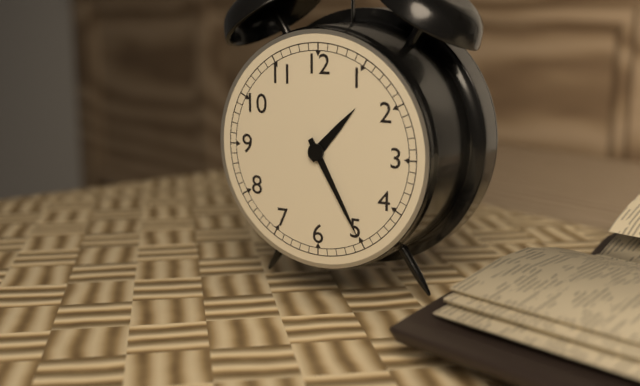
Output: **1:25**
